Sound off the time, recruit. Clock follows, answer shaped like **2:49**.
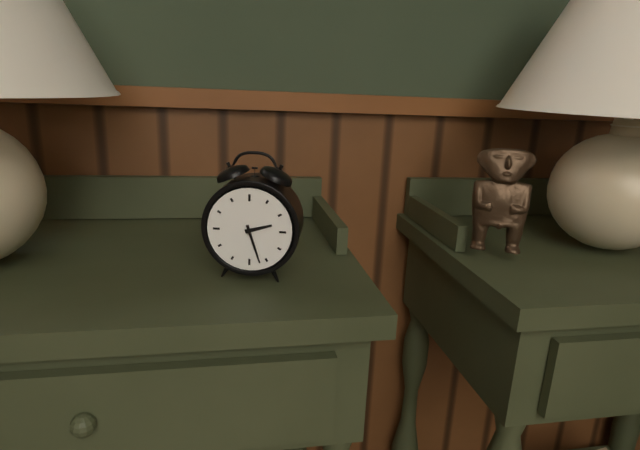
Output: **2:27**
